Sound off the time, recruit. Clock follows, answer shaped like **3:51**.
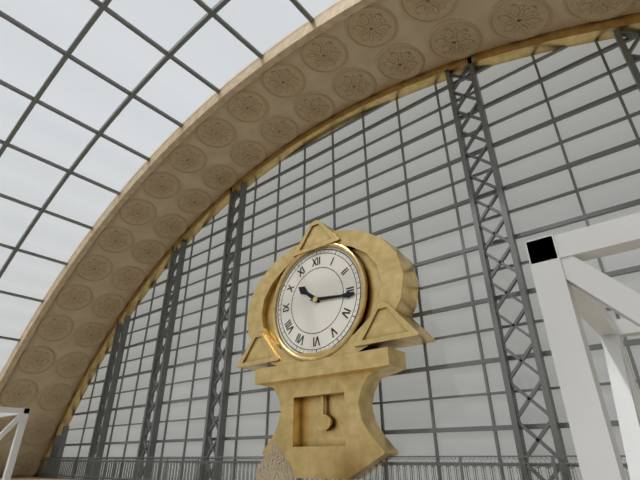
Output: **10:16**
